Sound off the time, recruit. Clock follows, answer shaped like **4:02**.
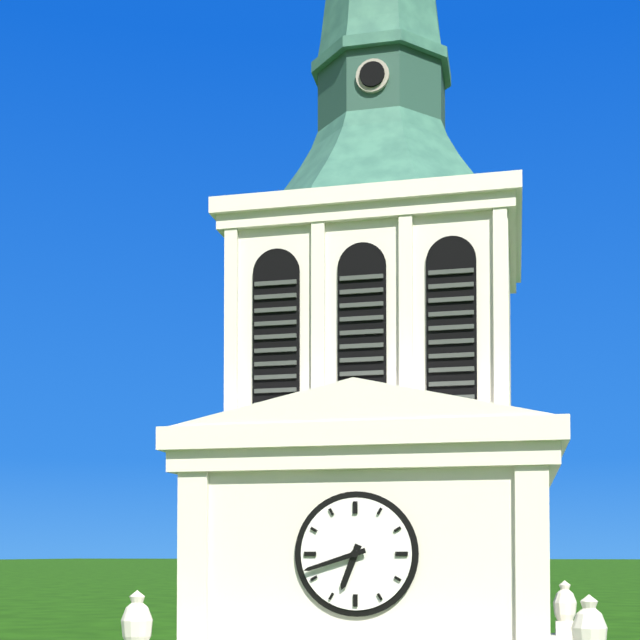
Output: **6:42**
